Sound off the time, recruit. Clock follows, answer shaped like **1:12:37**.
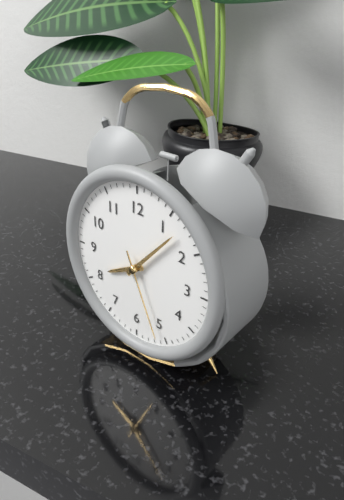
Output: **8:07:26**
